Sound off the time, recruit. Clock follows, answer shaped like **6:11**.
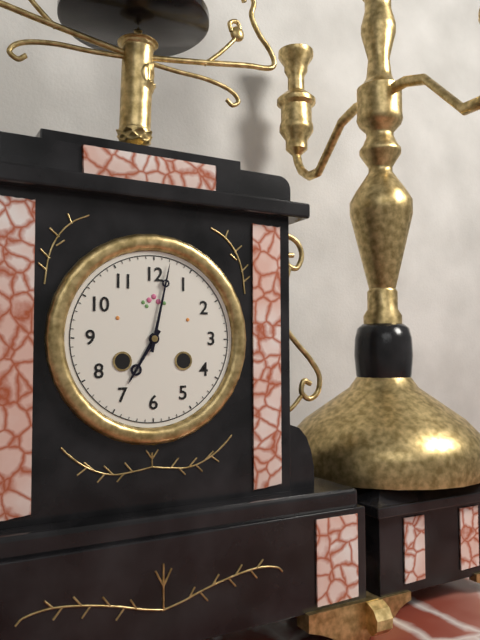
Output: **7:02**
